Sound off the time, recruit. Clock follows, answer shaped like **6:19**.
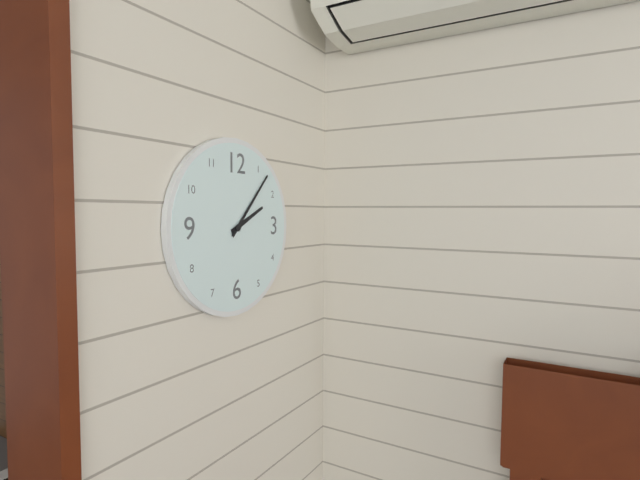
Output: **2:07**
